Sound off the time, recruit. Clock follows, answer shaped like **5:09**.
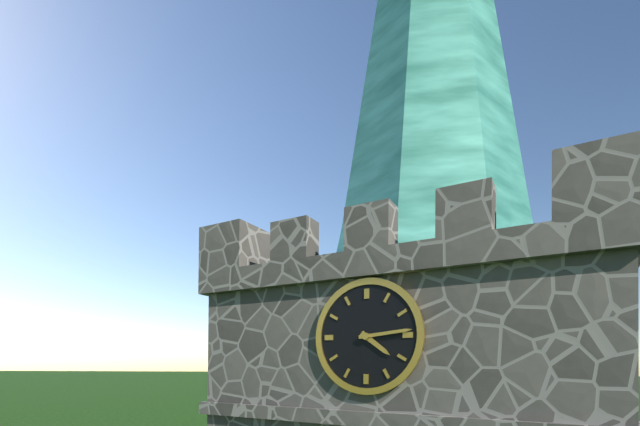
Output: **4:14**
